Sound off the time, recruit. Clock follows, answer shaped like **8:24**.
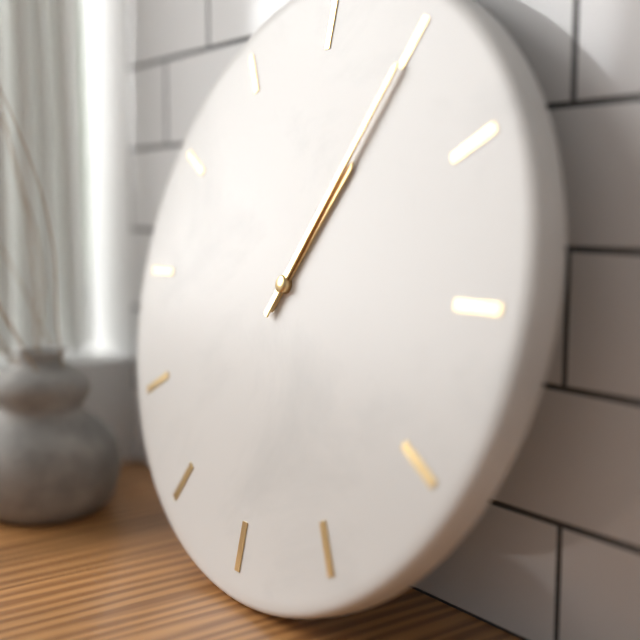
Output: **1:05**
